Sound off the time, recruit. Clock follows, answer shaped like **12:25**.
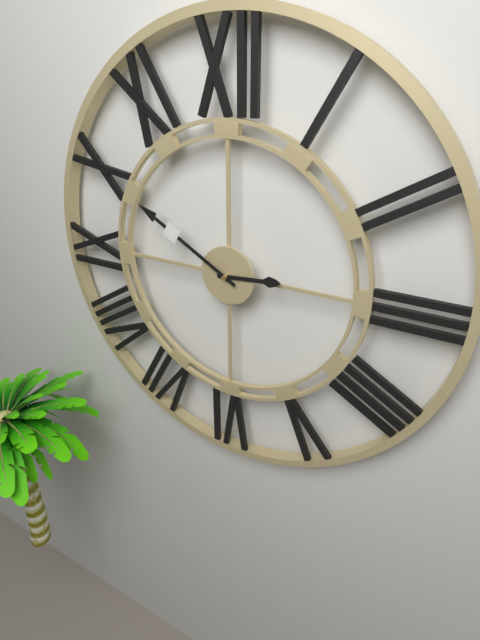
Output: **2:50**
